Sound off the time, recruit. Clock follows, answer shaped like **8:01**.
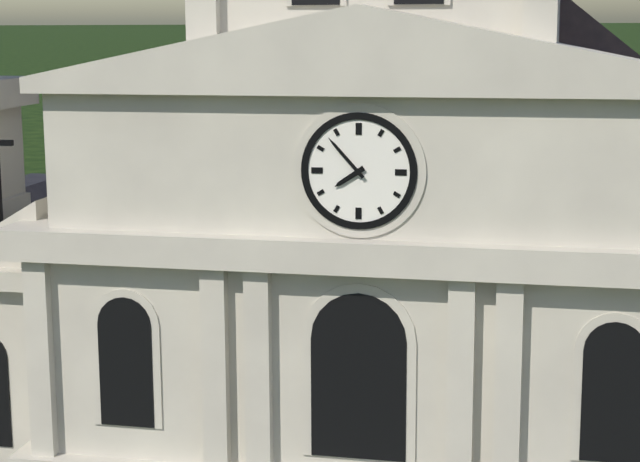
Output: **7:53**
